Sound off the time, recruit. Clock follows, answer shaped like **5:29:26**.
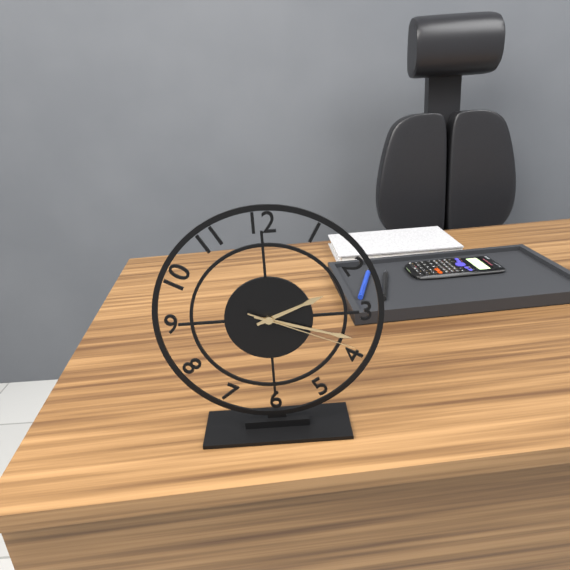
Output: **2:18:19**
